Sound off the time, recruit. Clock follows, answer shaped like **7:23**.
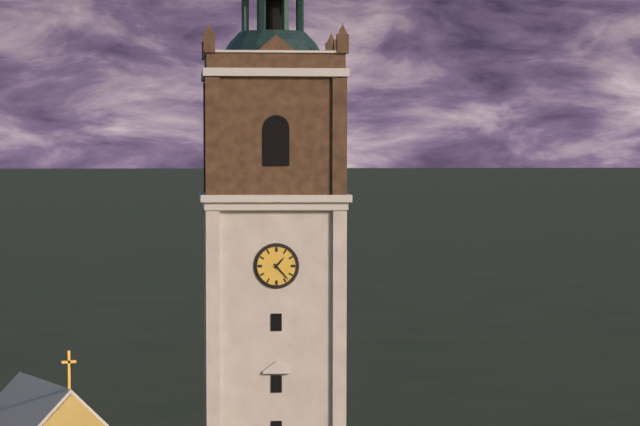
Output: **1:23**
